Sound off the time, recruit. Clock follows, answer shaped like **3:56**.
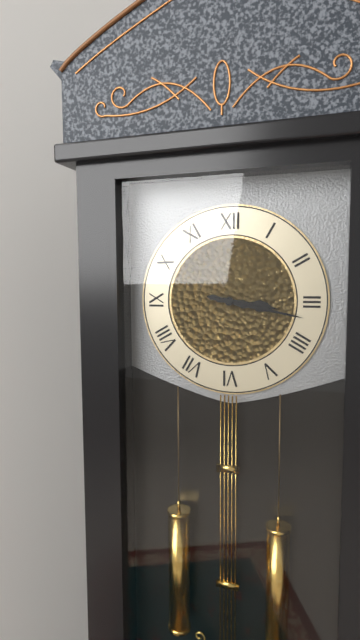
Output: **3:17**
